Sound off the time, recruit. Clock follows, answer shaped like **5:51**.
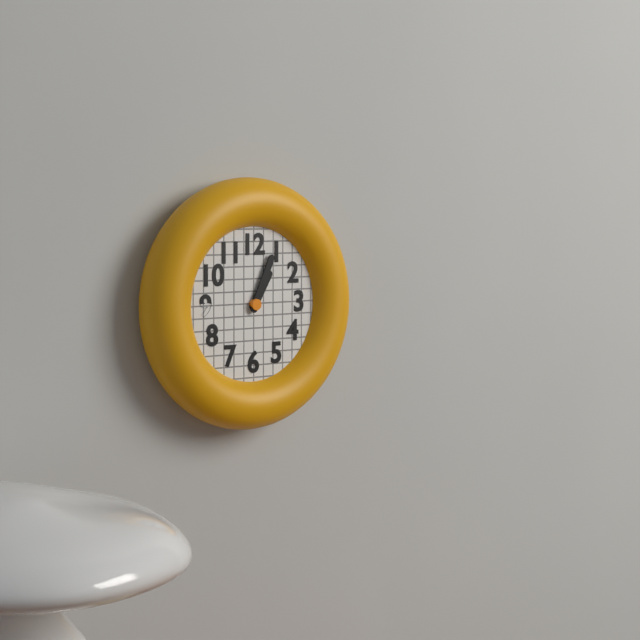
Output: **1:04**
